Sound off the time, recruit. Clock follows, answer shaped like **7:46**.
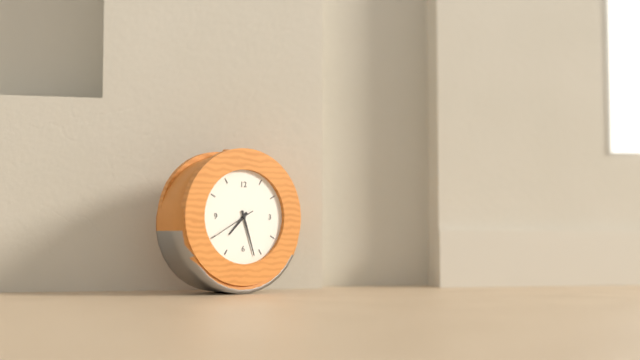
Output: **7:27**
